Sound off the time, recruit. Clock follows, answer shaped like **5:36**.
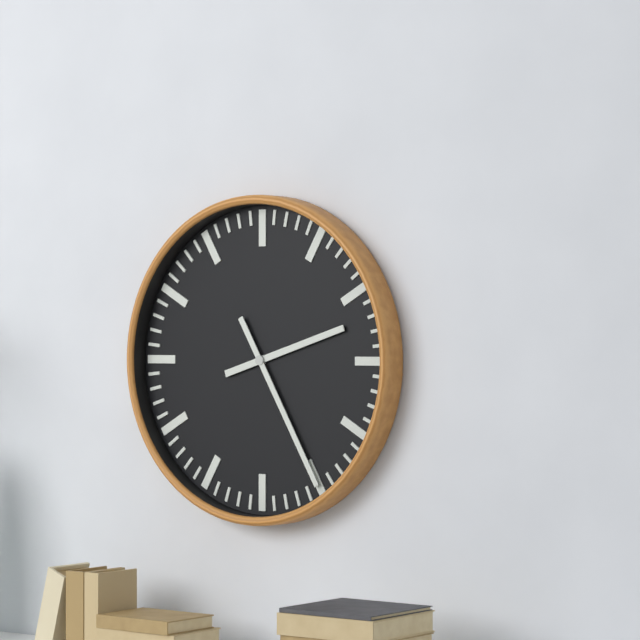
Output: **2:25**
